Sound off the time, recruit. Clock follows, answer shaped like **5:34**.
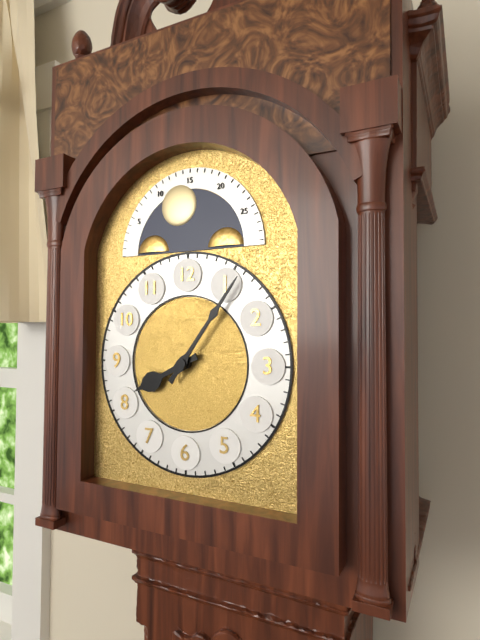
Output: **8:06**
